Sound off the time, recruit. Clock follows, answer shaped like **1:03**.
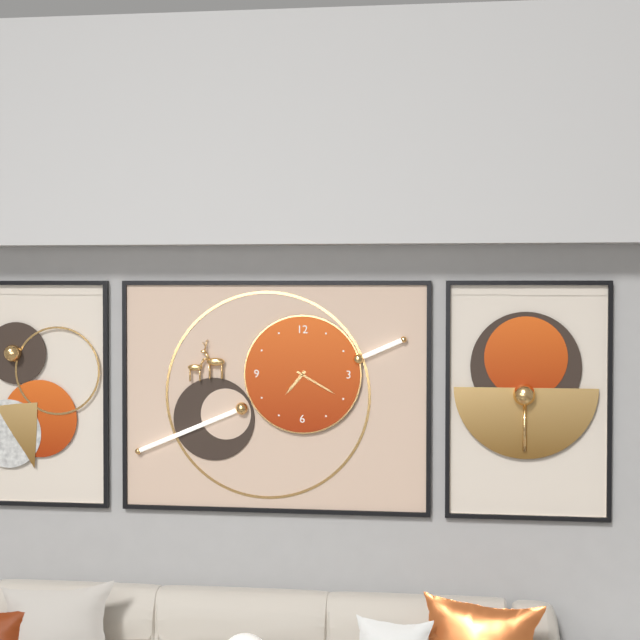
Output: **7:20**
